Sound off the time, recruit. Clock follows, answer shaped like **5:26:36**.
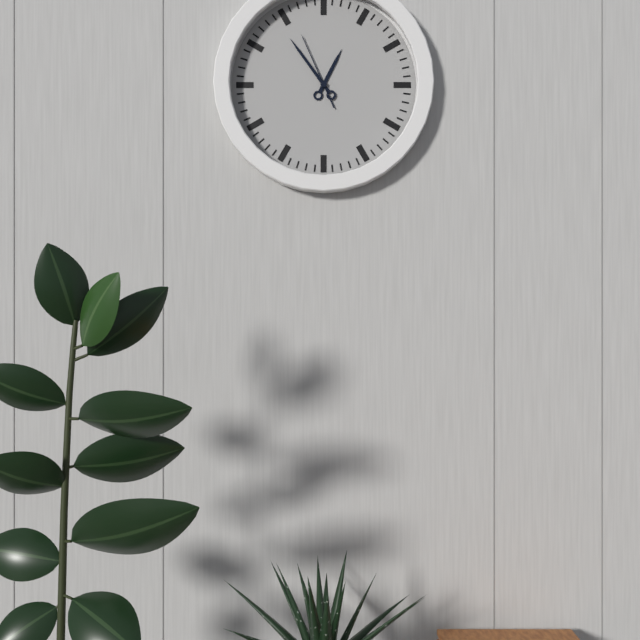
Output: **12:54:56**
